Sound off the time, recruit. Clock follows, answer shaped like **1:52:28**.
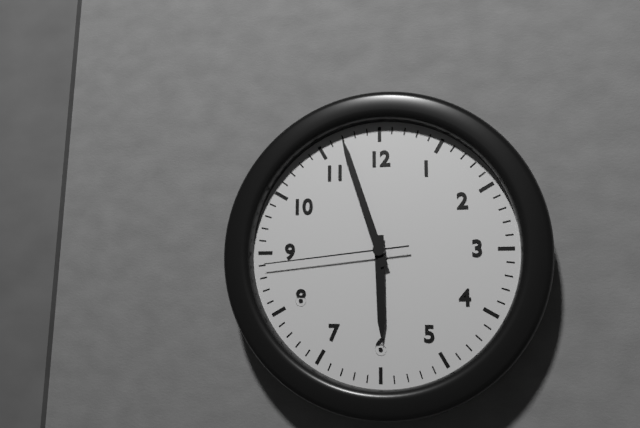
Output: **5:57:44**
